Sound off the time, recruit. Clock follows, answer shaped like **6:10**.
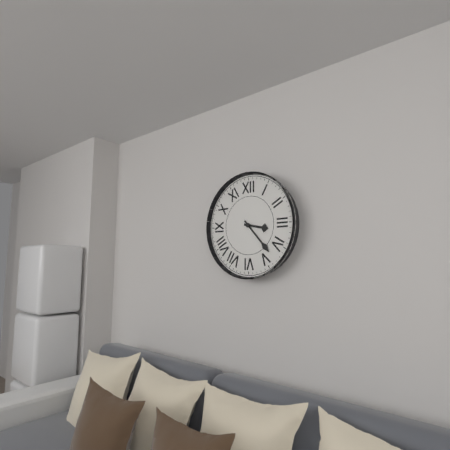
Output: **3:23**
